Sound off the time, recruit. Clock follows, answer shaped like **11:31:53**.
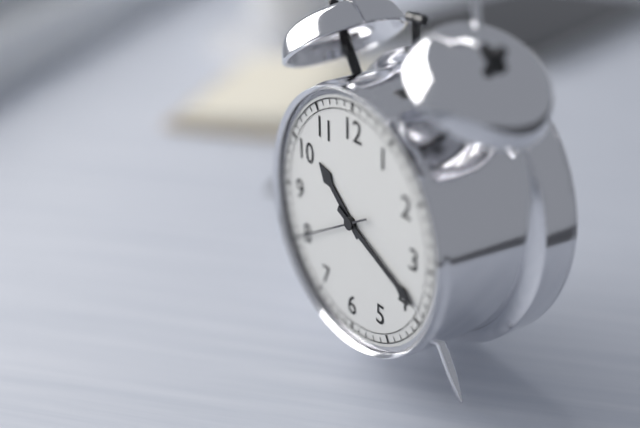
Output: **10:19:40**
